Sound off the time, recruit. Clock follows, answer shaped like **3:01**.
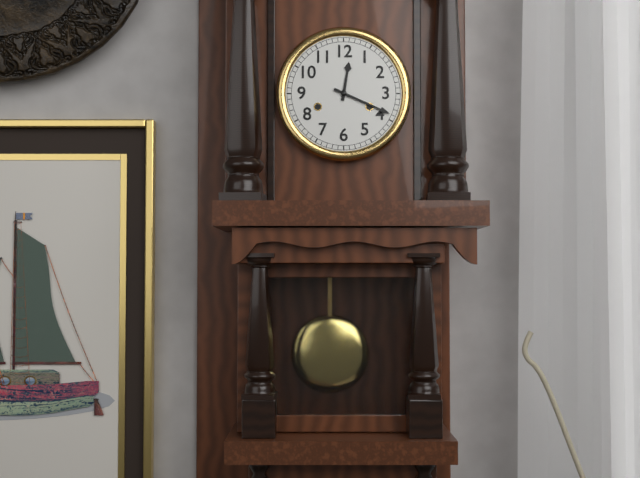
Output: **12:19**
